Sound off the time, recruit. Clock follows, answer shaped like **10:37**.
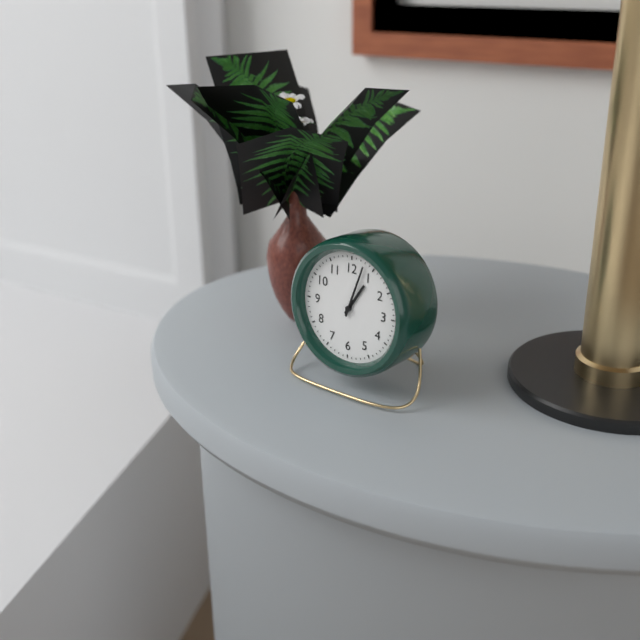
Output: **1:03**
